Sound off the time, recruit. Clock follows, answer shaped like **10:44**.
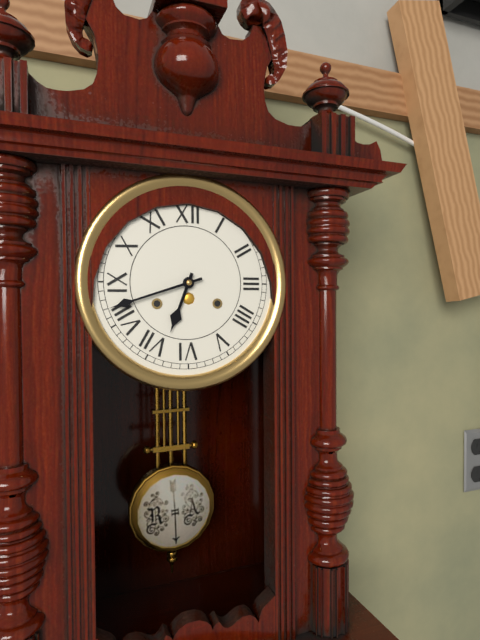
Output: **6:42**
